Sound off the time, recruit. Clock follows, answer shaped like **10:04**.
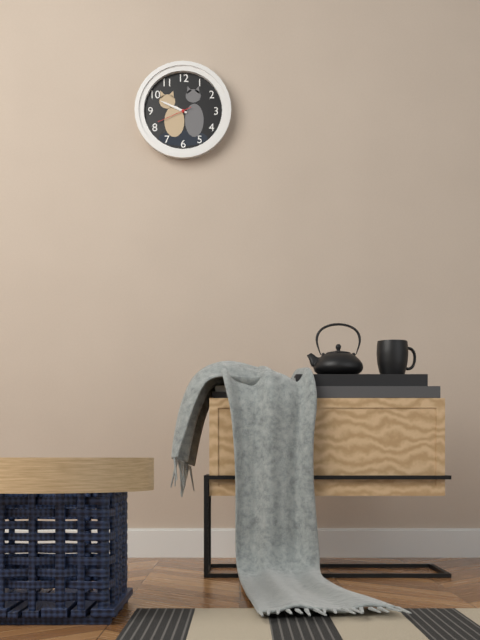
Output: **9:49**
